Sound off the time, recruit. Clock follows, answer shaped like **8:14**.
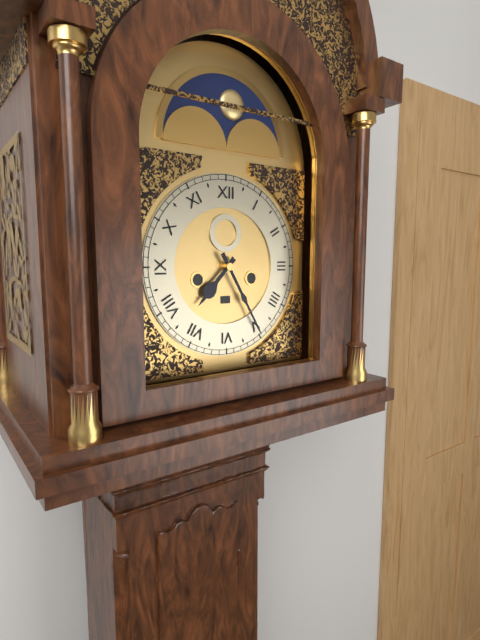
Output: **7:25**
